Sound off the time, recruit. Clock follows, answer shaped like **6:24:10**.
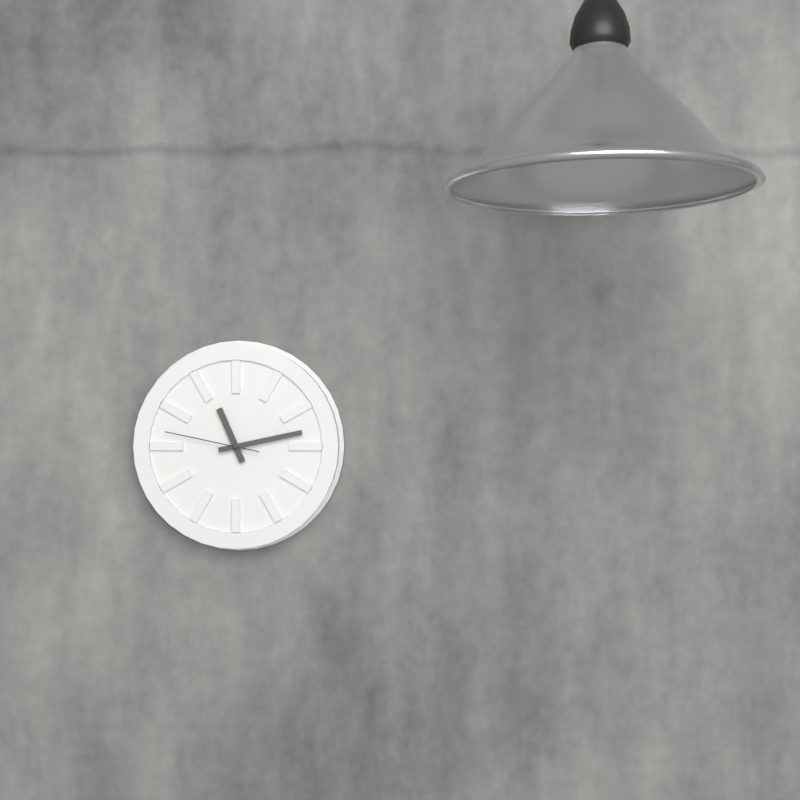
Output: **11:13:47**
